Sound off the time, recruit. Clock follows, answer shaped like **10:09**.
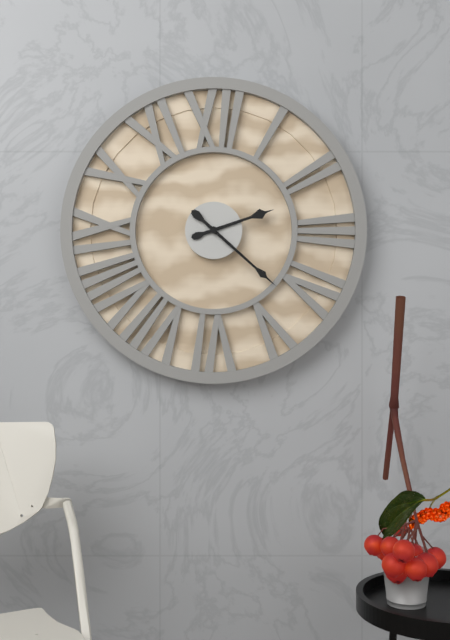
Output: **2:22**
